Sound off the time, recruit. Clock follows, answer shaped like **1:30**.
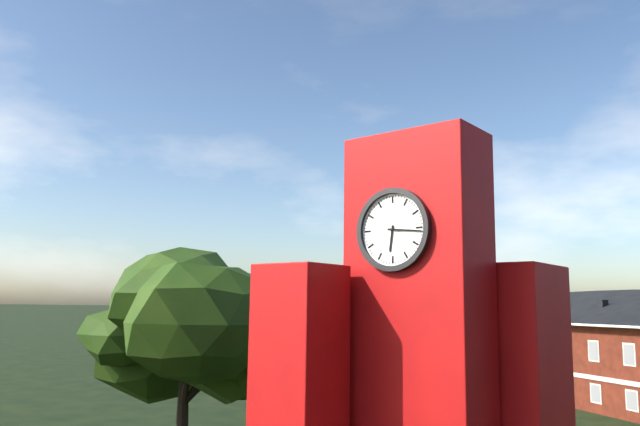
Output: **6:16**
